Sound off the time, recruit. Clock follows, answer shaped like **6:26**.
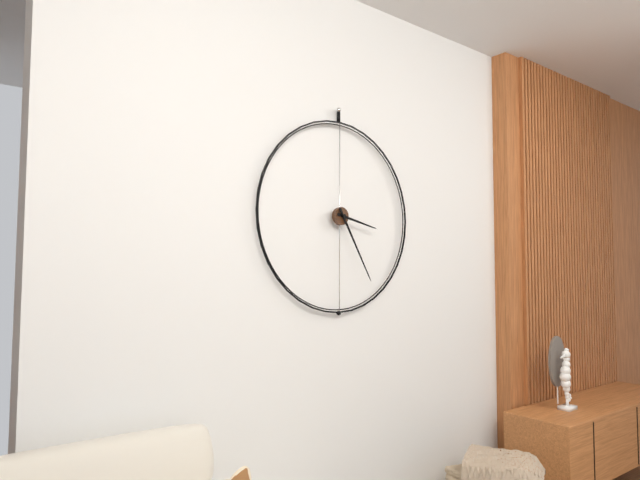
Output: **3:25**
